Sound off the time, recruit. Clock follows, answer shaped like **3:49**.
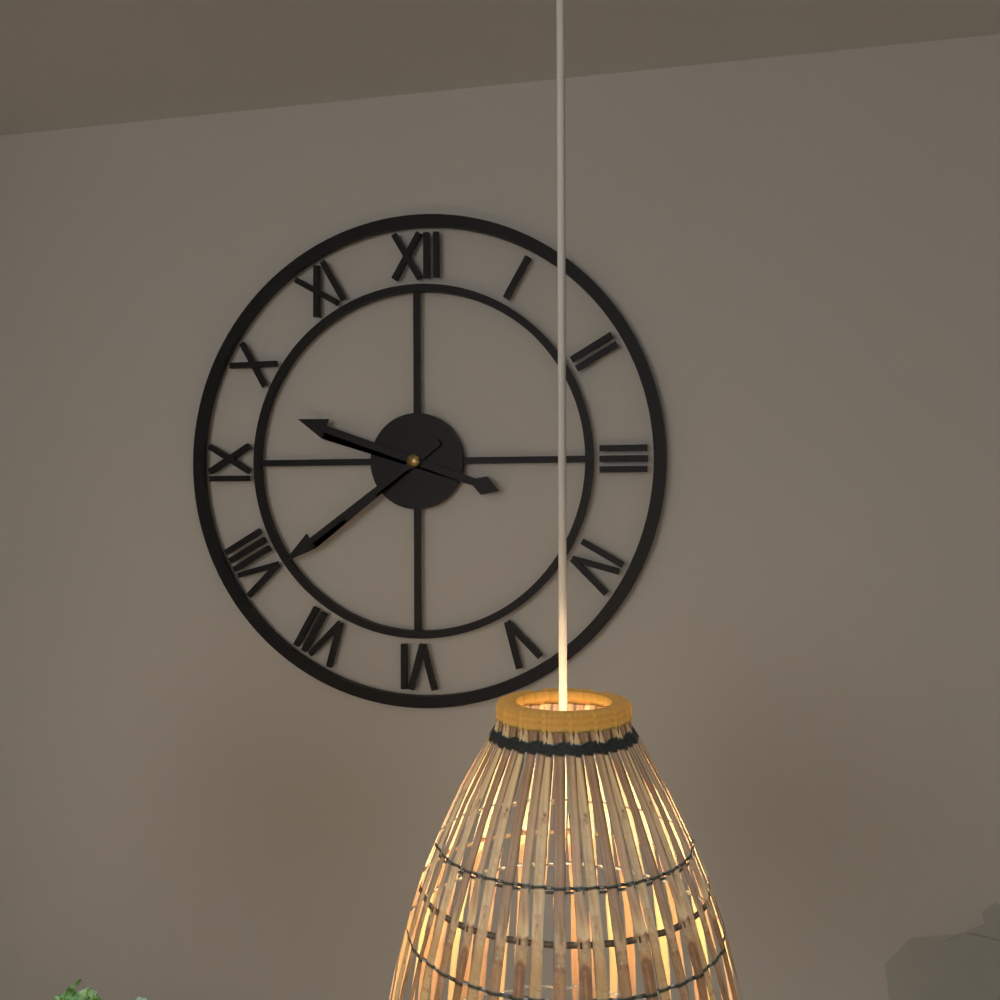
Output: **9:39**
